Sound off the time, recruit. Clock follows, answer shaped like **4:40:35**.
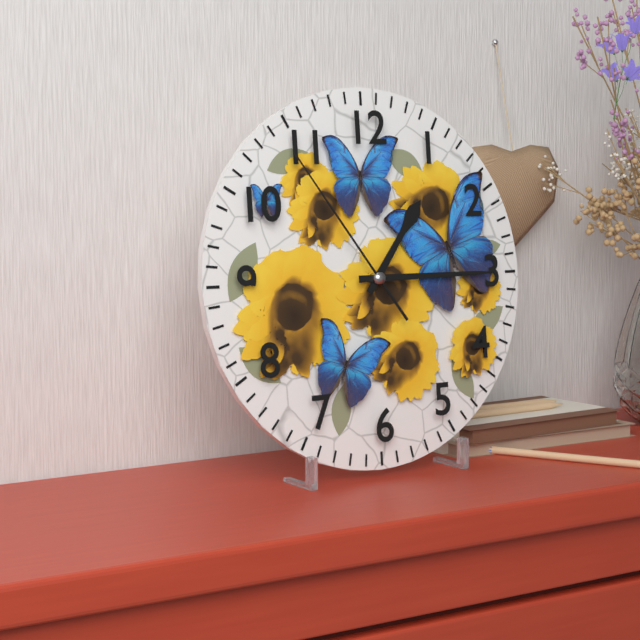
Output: **1:15:54**
